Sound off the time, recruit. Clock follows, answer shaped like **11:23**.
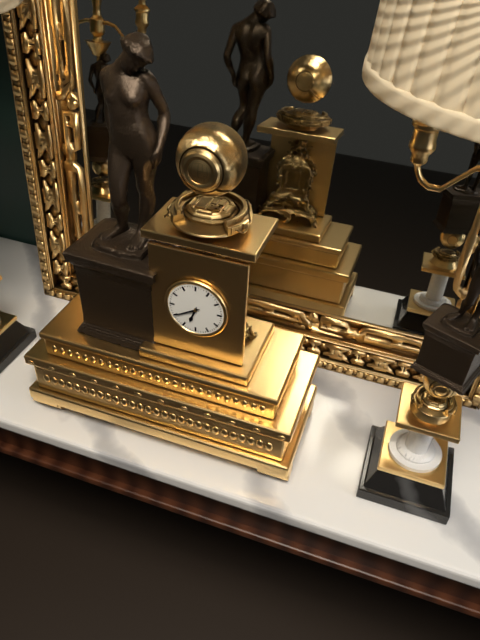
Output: **6:40**
